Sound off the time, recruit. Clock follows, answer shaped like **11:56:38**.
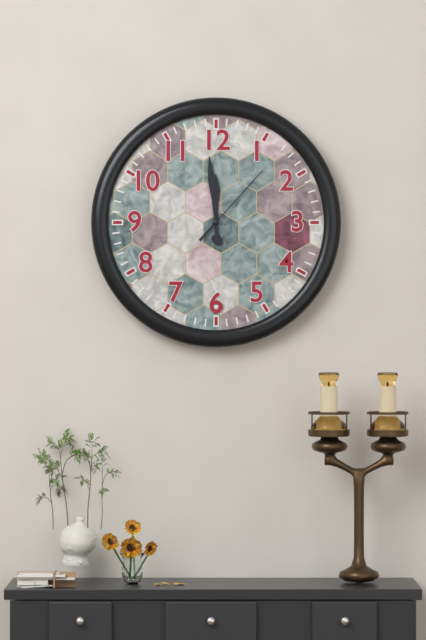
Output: **11:59:07**
